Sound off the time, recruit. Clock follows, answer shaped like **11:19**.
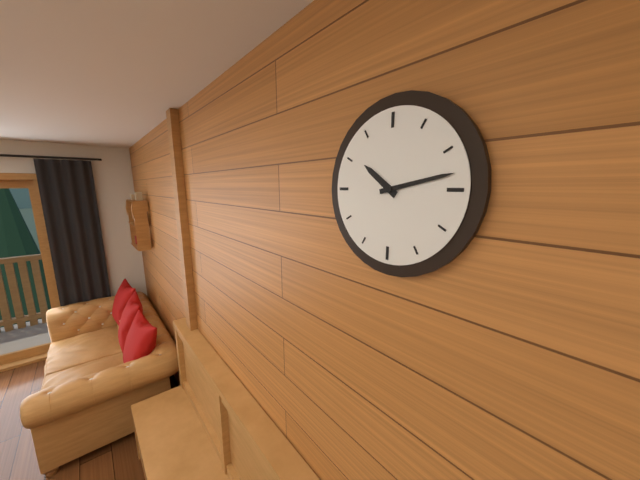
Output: **10:13**
